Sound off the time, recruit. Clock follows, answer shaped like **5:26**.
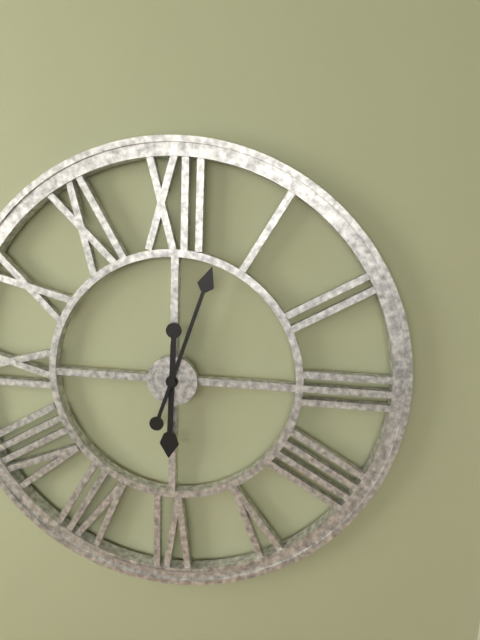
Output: **6:03**
